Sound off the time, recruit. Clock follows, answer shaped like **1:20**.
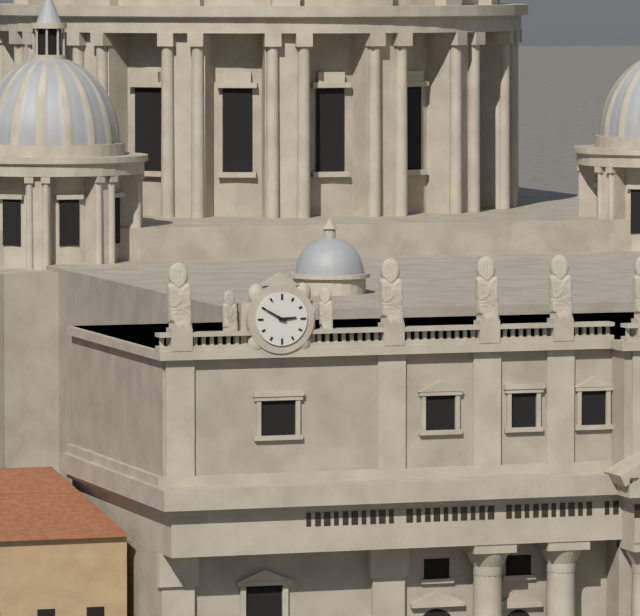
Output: **2:50**
